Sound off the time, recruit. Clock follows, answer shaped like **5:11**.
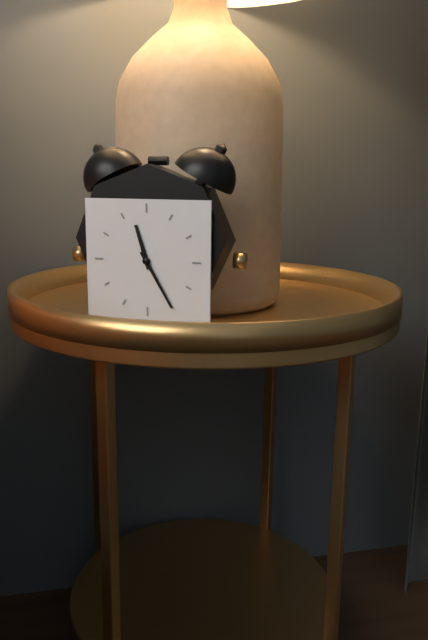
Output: **11:25**
